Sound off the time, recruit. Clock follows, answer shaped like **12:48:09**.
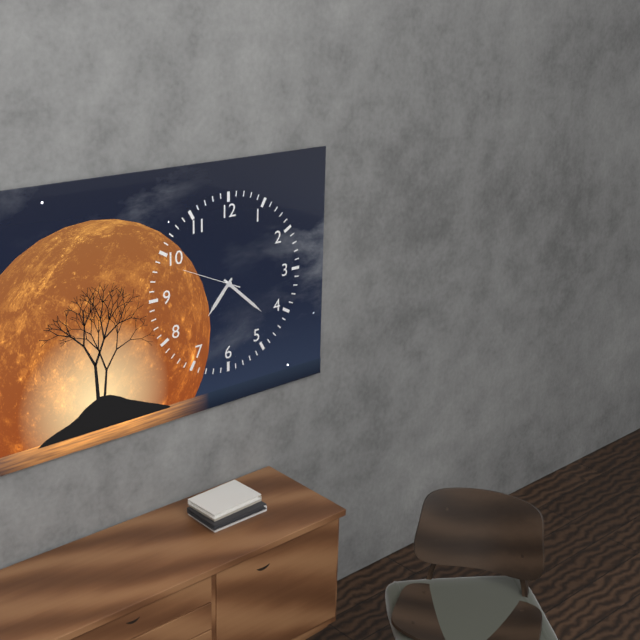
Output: **7:22:49**
